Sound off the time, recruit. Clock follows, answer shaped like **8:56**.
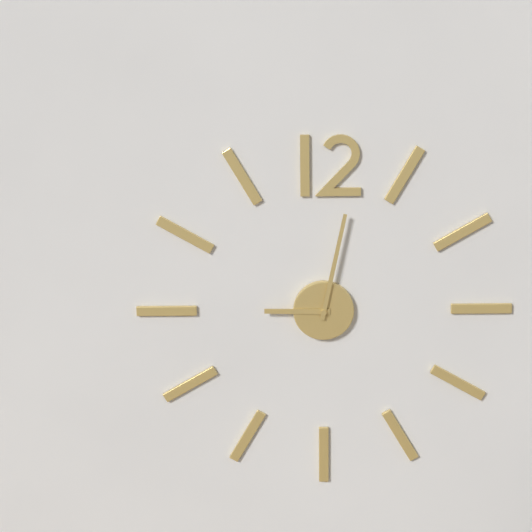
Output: **9:02**
